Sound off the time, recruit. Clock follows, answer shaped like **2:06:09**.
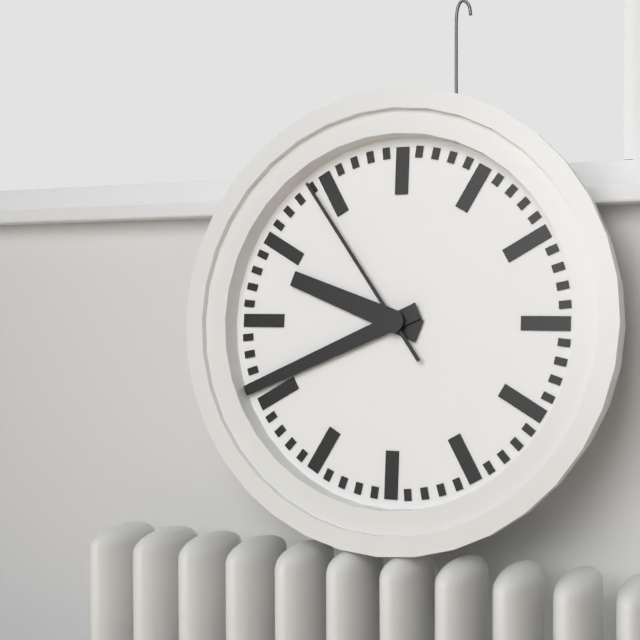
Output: **9:41:54**
